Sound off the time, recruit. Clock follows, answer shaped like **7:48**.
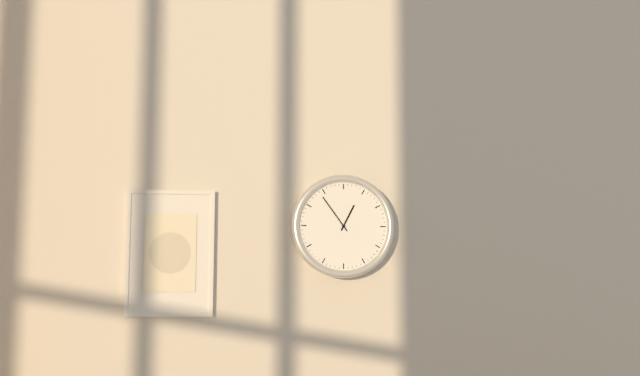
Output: **12:54**
